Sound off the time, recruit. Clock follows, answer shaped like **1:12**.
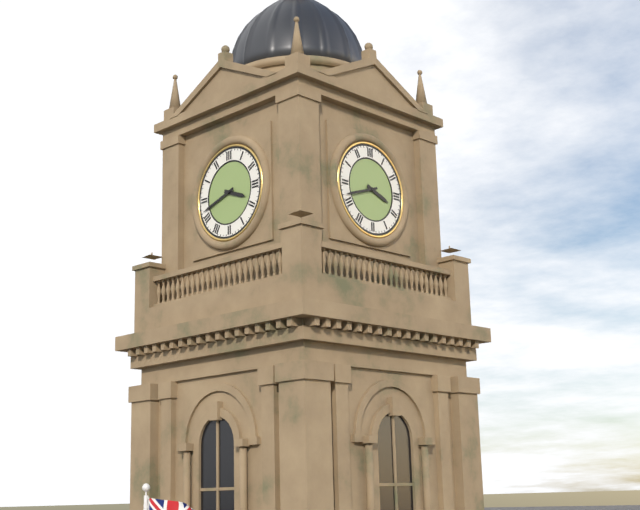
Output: **3:42**
